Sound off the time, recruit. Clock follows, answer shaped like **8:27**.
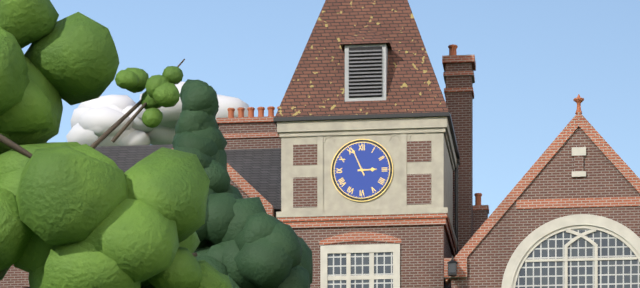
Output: **2:56**
